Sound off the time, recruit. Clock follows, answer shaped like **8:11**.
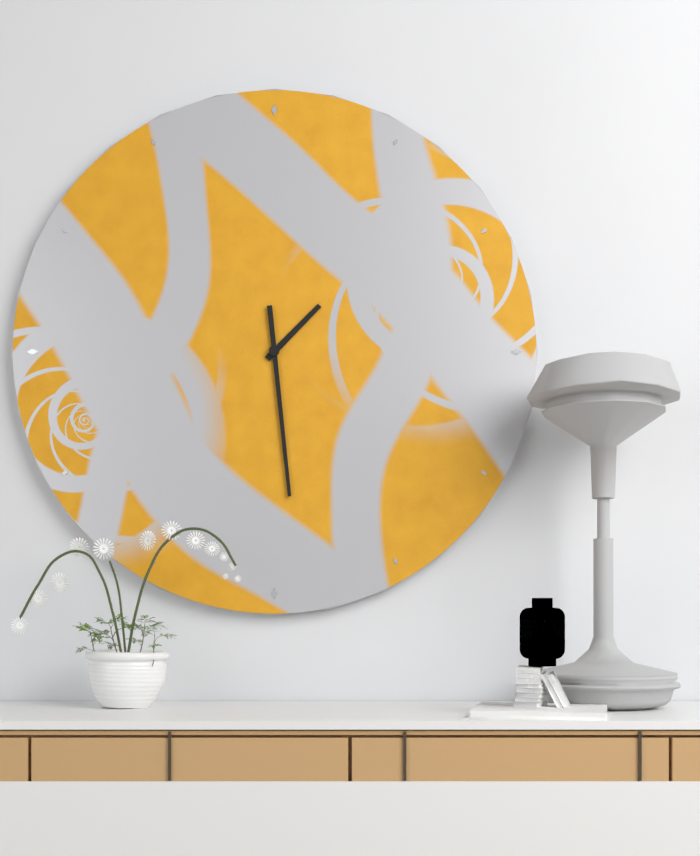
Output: **1:29**
